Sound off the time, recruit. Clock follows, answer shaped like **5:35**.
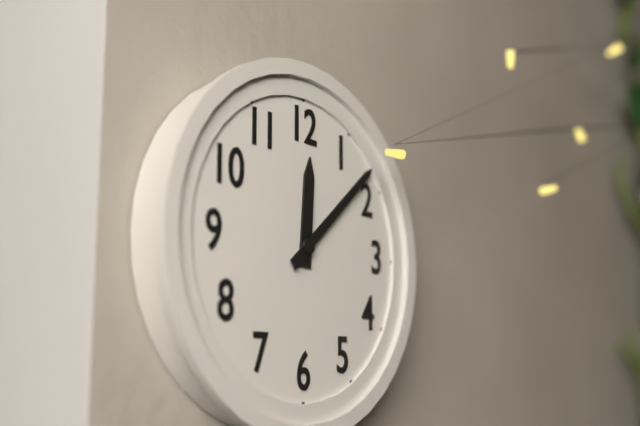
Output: **12:08**
